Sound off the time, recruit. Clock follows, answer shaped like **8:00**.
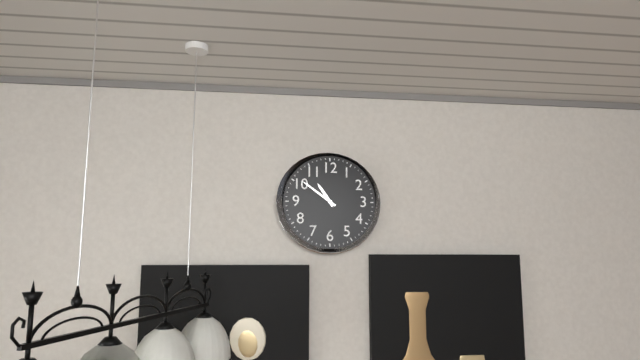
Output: **10:51**
